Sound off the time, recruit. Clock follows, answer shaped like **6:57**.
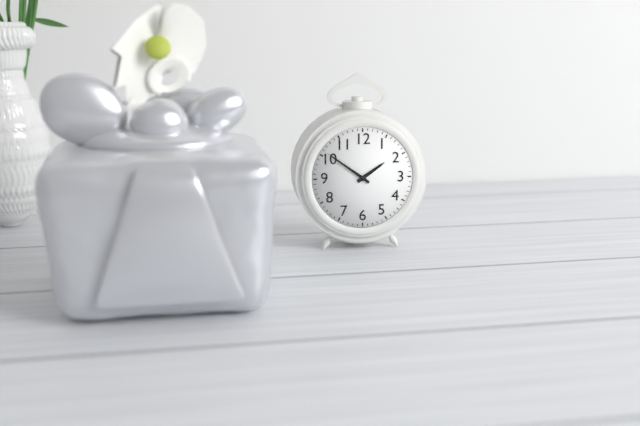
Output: **1:51**
